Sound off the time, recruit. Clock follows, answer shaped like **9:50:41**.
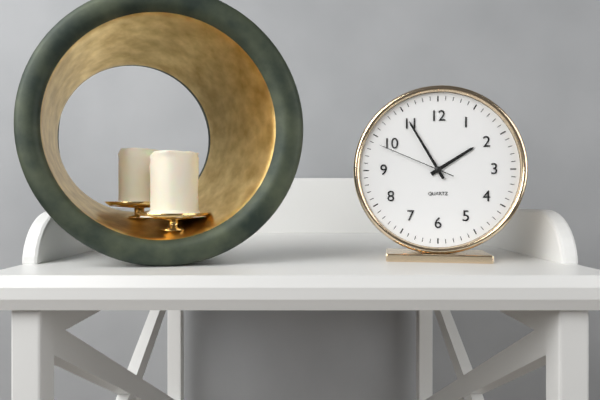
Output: **1:55:49**
